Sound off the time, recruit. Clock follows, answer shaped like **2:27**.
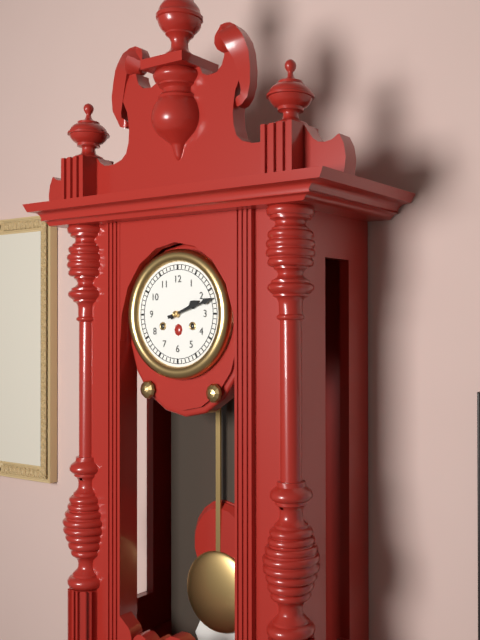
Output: **2:12**
